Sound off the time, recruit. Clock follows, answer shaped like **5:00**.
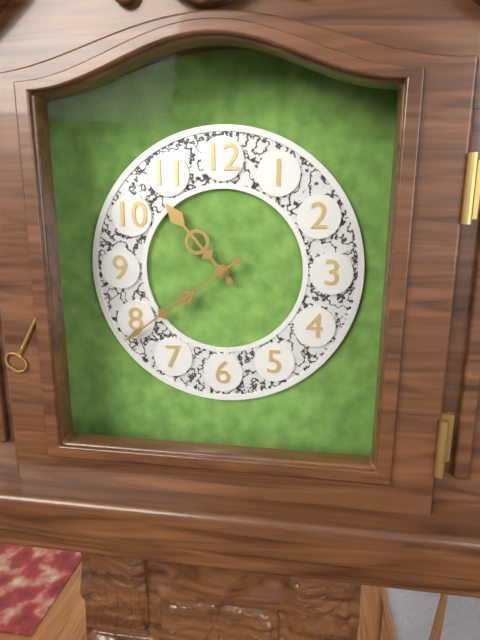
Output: **10:39**
